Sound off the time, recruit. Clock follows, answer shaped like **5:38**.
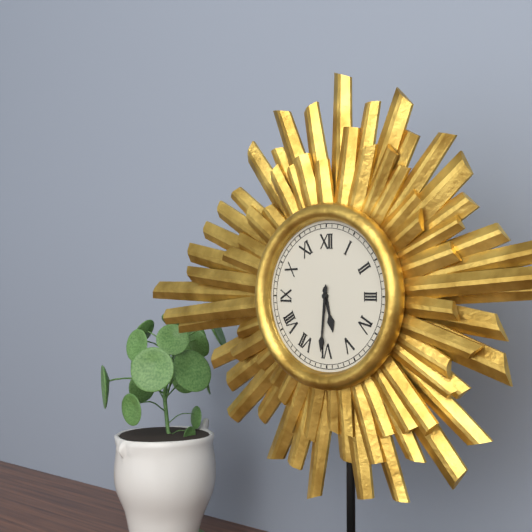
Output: **5:31**
